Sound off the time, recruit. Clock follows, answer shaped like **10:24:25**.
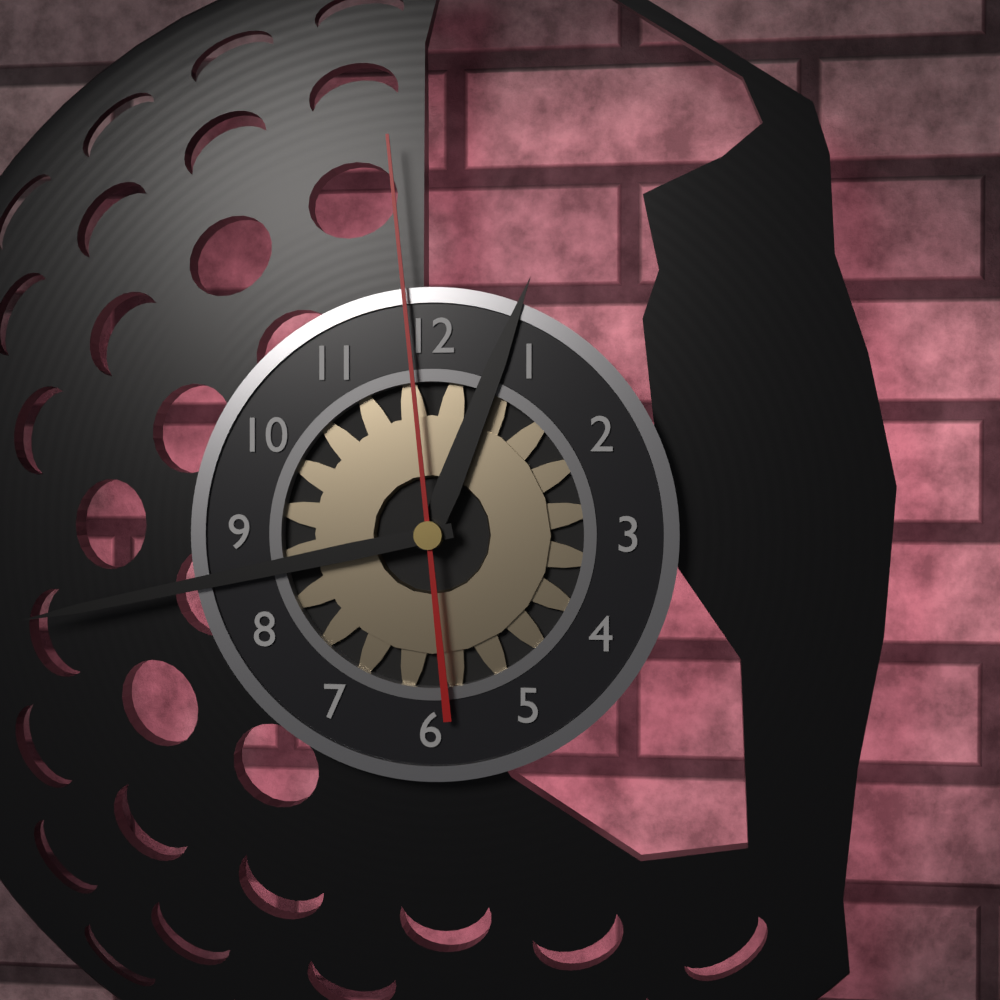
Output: **12:43:59**
